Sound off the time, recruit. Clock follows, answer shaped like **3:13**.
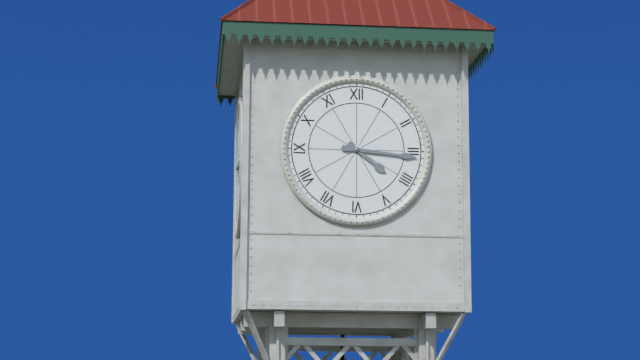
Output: **4:16**
